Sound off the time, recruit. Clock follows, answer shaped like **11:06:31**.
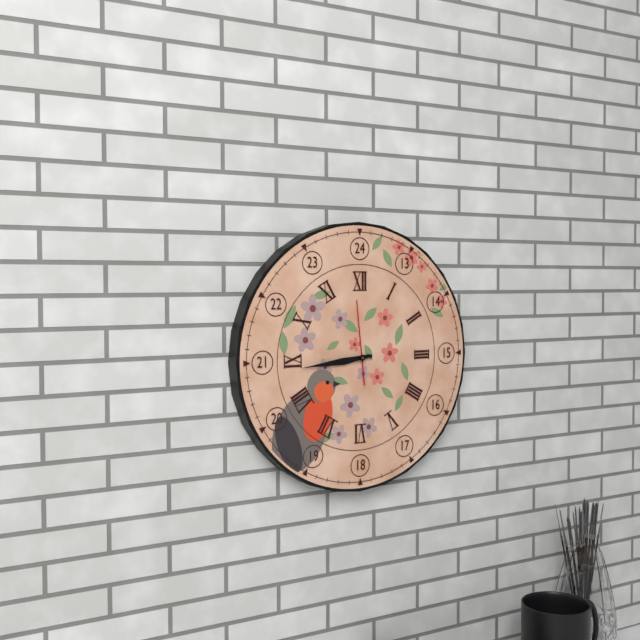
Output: **8:44:59**
